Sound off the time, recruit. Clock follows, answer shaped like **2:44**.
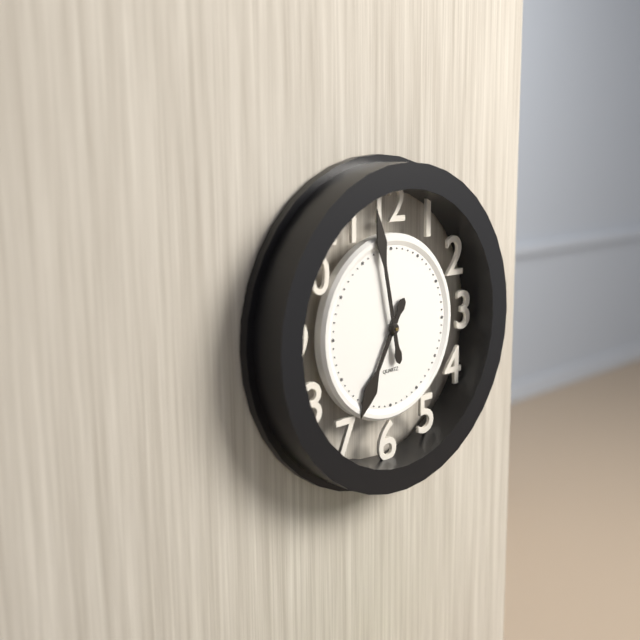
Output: **6:58**
